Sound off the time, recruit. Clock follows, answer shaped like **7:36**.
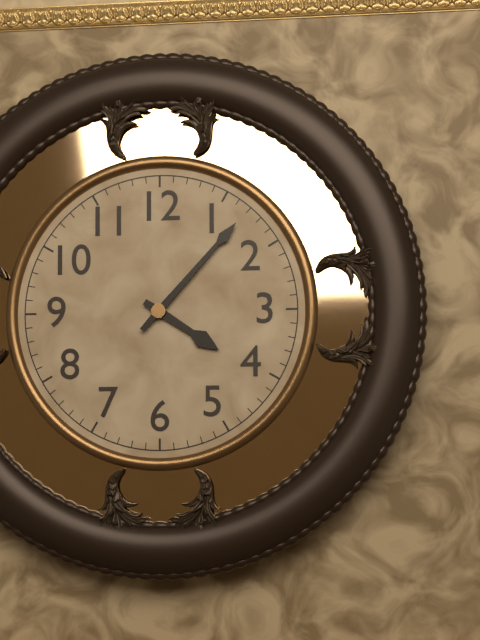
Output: **4:07**
